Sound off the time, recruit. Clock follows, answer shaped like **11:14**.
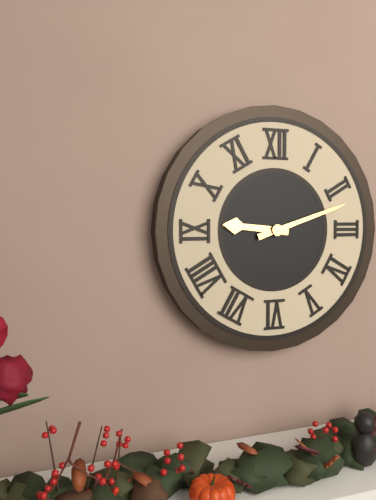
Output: **9:12**
